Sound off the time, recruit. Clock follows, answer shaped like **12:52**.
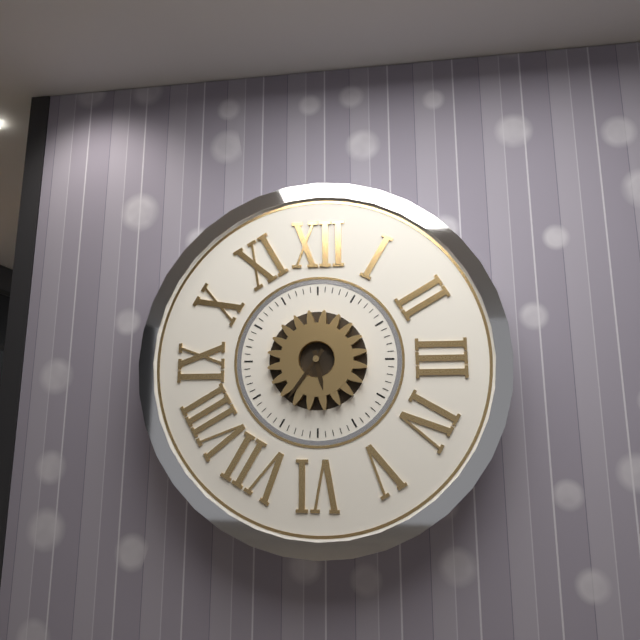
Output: **5:36**
